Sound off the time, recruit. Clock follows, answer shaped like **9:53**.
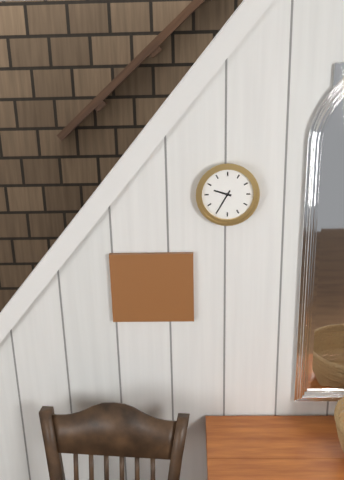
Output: **9:35**
